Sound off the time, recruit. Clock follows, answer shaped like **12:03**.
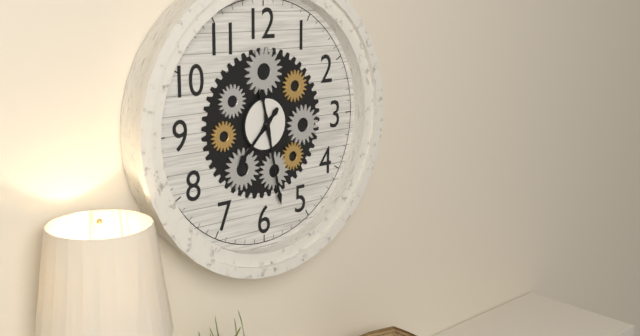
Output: **7:28**
